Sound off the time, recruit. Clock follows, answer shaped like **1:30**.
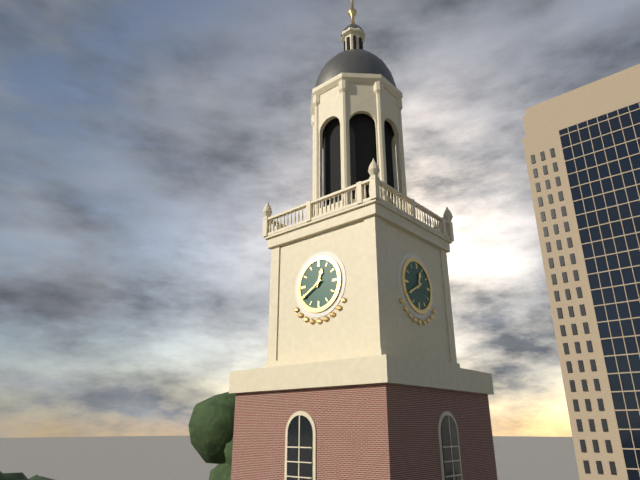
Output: **12:40**
